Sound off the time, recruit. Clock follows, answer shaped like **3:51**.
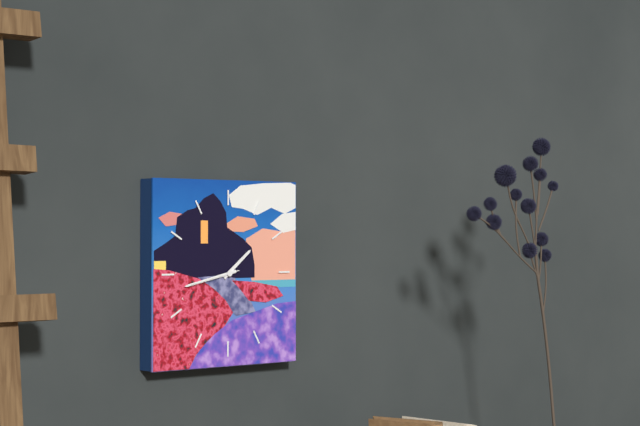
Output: **1:43**
